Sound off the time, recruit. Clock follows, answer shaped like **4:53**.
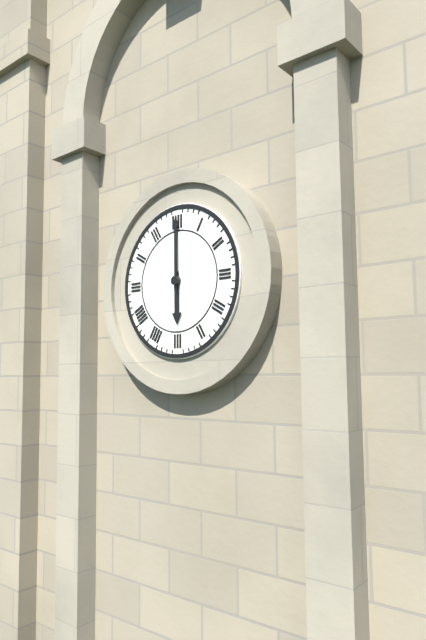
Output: **6:00**
